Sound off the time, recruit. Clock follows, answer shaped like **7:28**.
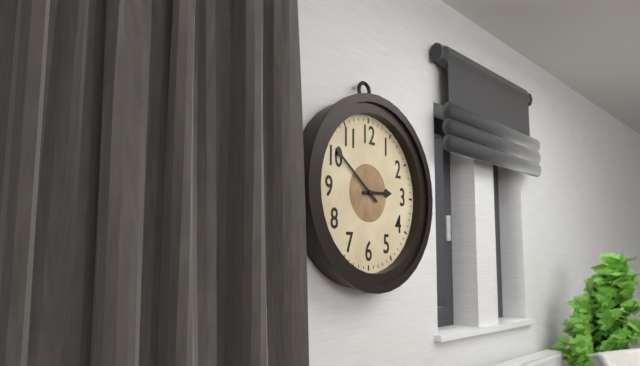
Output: **2:51**
